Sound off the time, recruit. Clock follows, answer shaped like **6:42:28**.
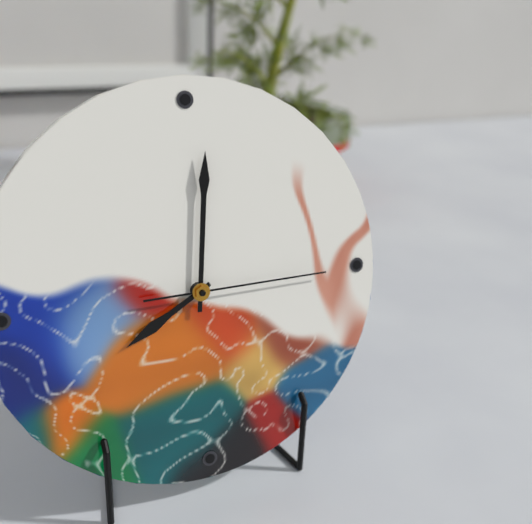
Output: **8:01:15**
